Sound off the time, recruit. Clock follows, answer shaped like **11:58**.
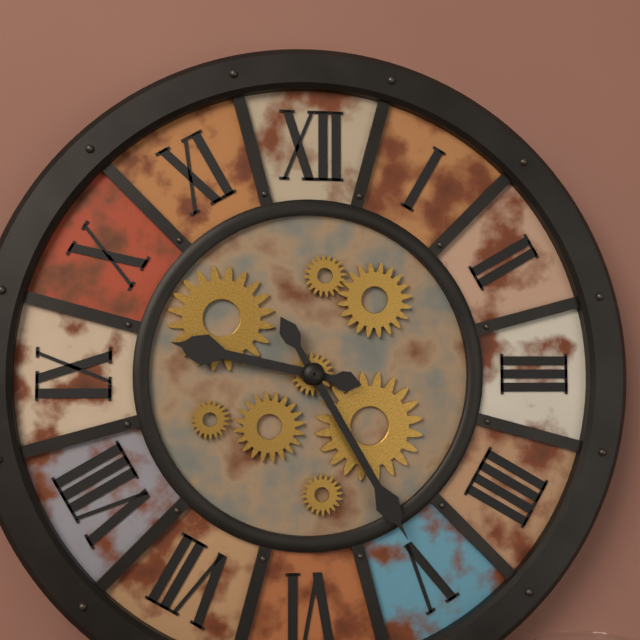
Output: **9:25**
